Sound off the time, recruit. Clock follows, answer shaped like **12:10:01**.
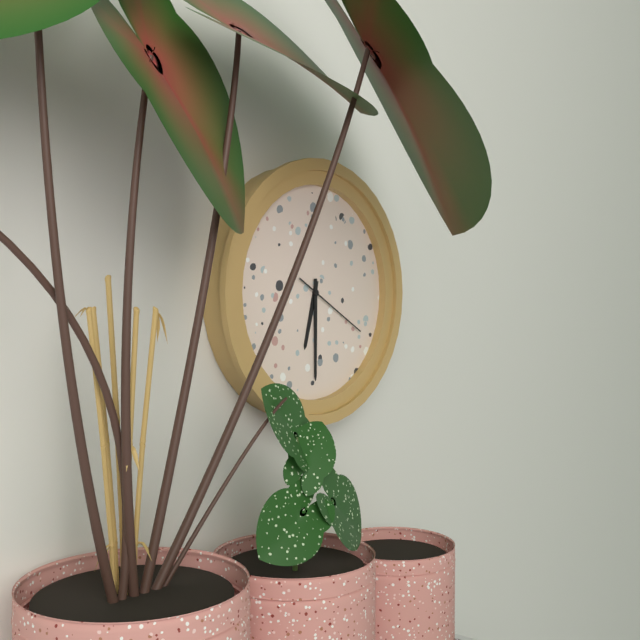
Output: **6:30:20**
